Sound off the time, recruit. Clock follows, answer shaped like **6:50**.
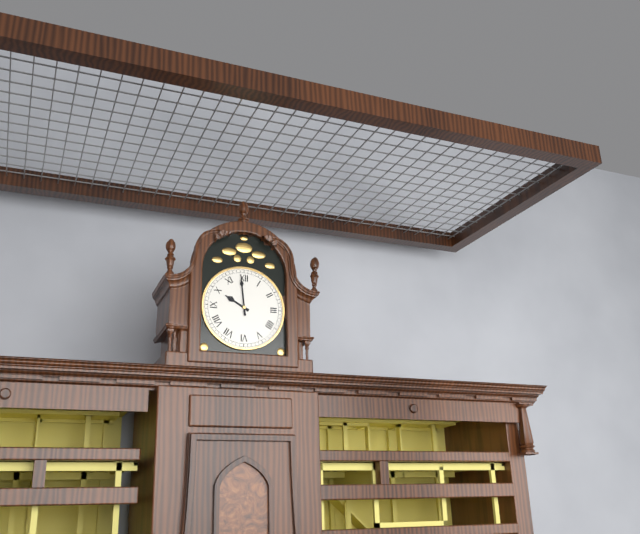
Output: **9:59**
